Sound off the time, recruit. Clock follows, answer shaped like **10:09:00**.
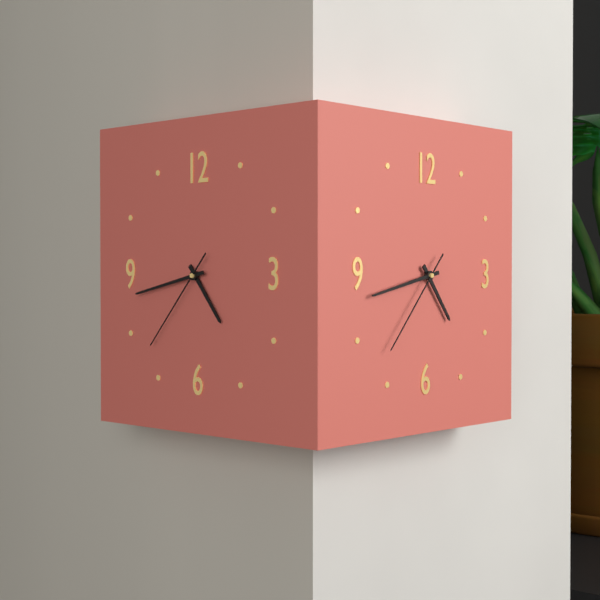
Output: **4:43:37**
